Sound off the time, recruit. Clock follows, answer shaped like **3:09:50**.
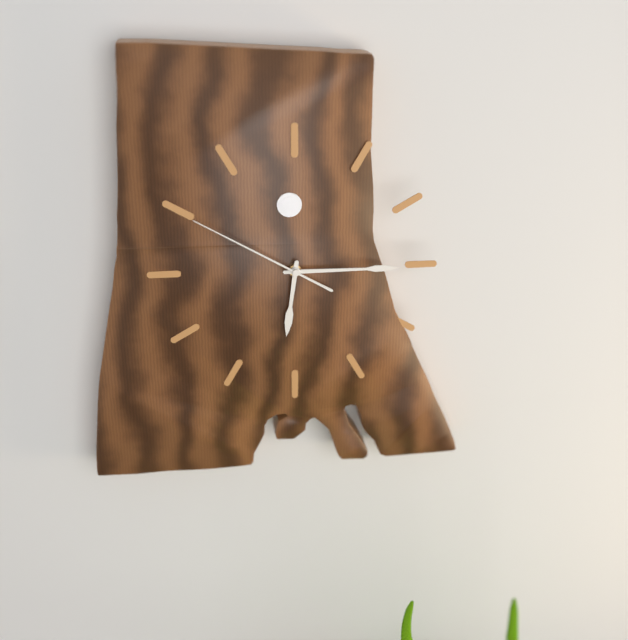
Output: **6:15:50**
